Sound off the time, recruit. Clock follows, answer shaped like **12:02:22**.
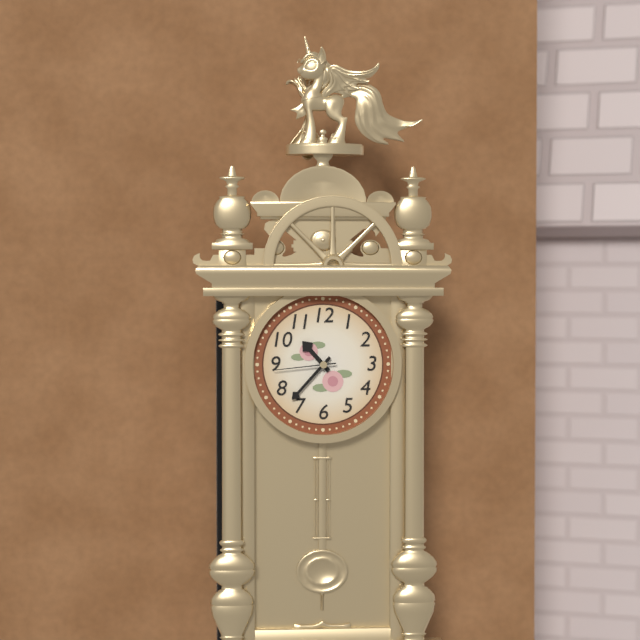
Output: **10:37:44**
